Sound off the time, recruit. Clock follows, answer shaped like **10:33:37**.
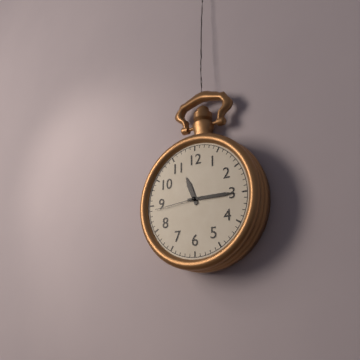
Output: **11:15:44**
